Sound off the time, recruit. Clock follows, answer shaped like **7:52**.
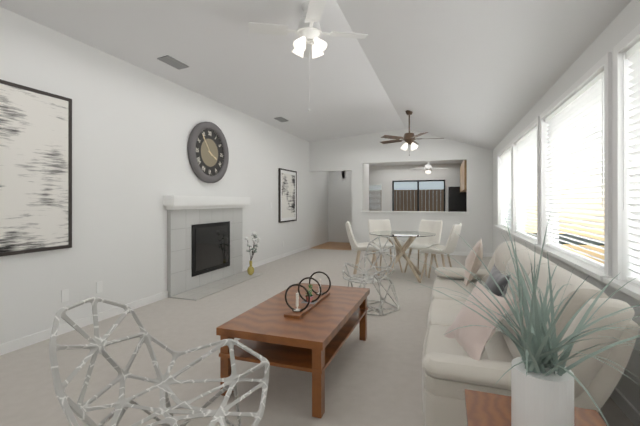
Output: **3:54**
